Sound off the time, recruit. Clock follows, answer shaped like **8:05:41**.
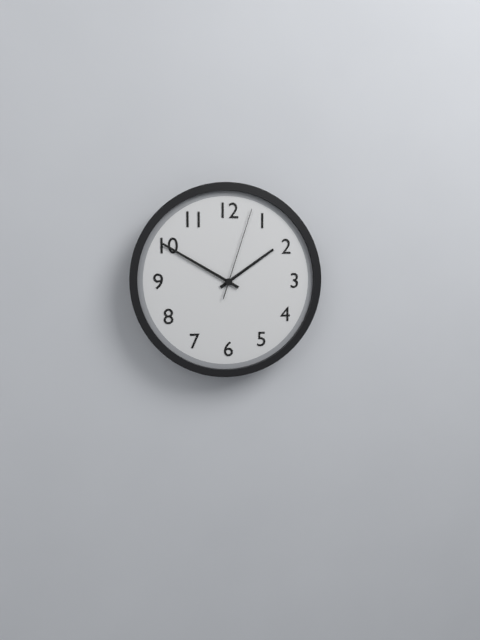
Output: **1:50:03**
